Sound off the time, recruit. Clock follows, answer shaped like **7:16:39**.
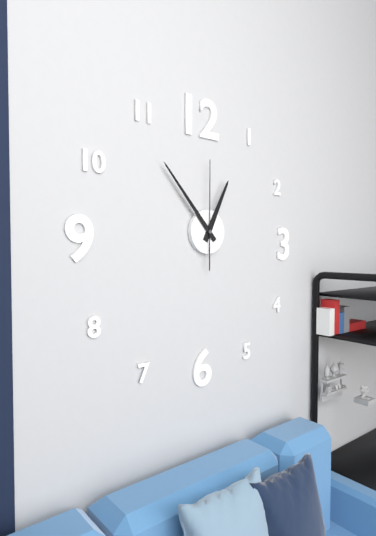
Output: **12:53:00**
